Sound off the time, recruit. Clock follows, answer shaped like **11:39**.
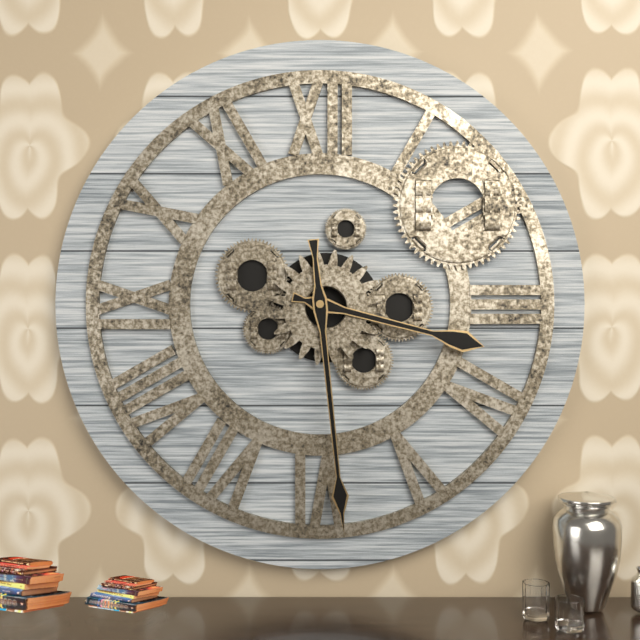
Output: **3:29**
